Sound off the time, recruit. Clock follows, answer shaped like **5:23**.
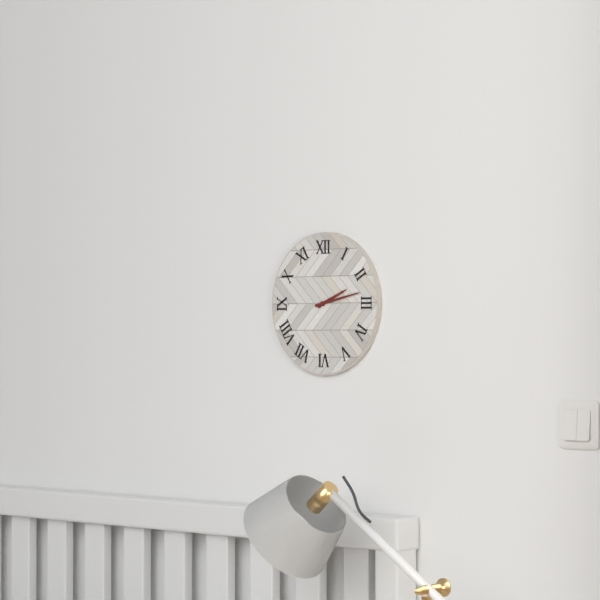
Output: **2:13**
